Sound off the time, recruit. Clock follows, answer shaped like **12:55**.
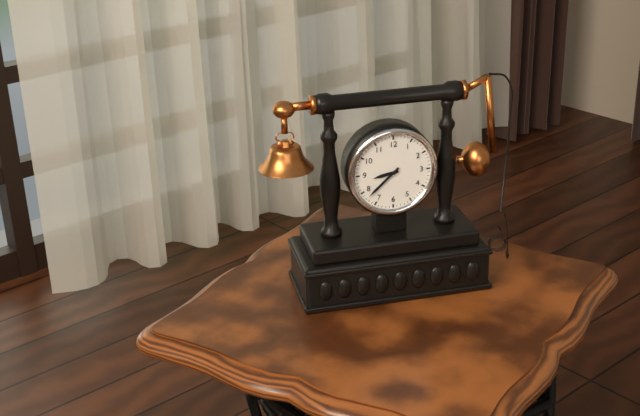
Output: **8:38**
